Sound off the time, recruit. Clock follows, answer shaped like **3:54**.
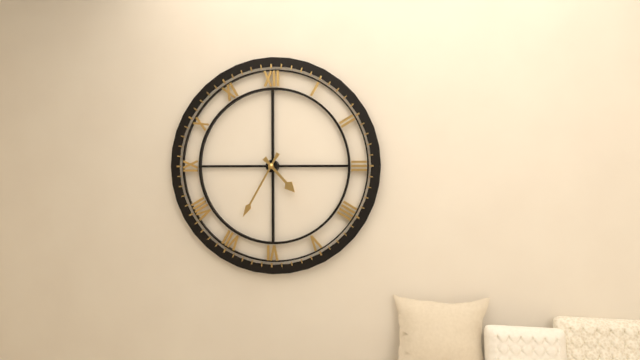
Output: **4:35**
